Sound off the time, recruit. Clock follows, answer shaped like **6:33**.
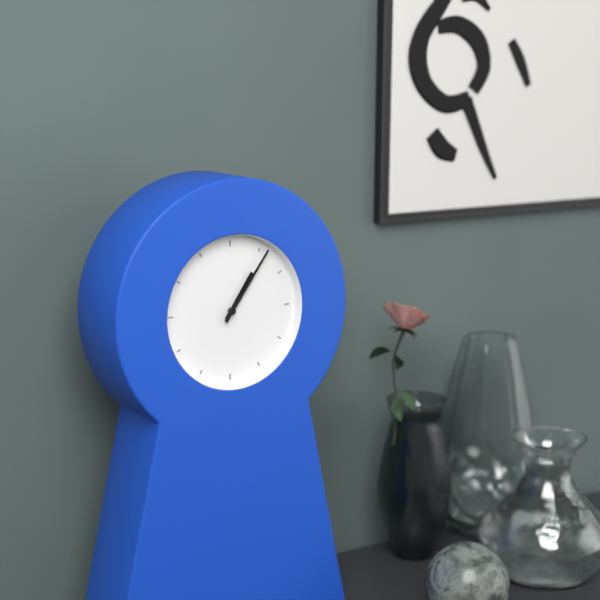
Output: **1:06**
